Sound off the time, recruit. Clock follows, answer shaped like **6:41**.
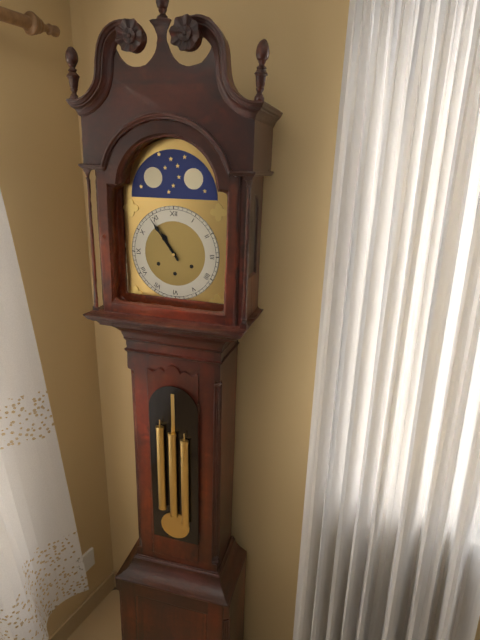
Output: **10:54**
